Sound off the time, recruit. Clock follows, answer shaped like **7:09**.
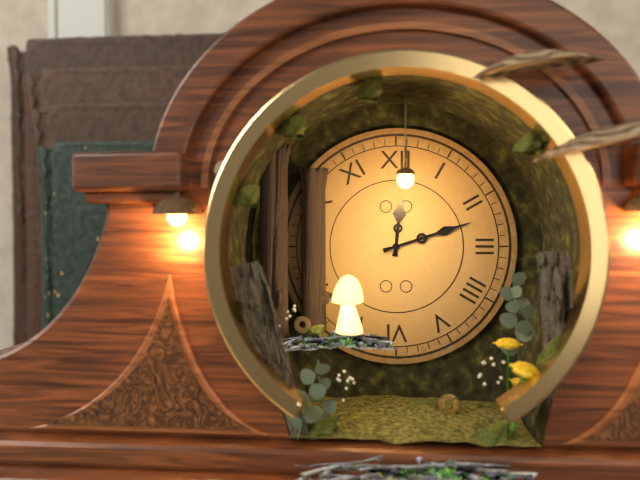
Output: **12:12**
